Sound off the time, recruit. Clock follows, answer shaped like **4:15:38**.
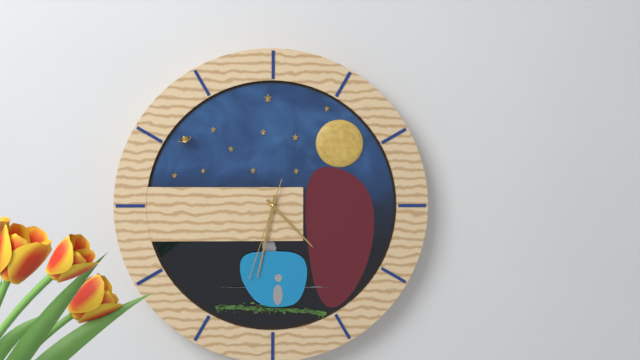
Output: **4:32:33**
